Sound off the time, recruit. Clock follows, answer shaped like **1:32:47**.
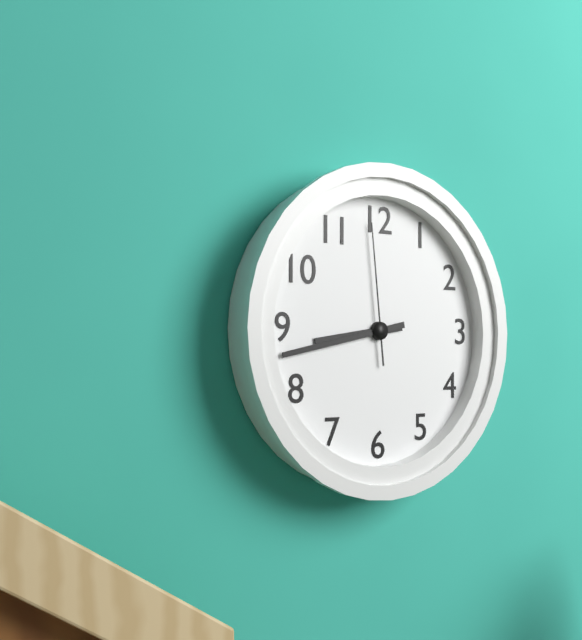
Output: **8:43:59**
